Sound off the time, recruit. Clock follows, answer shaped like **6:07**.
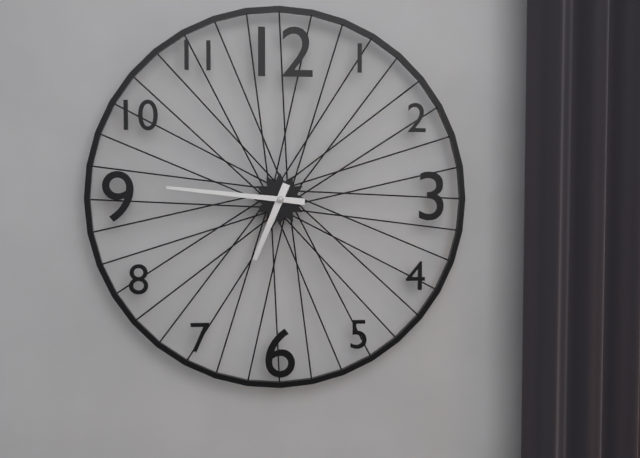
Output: **6:46**
